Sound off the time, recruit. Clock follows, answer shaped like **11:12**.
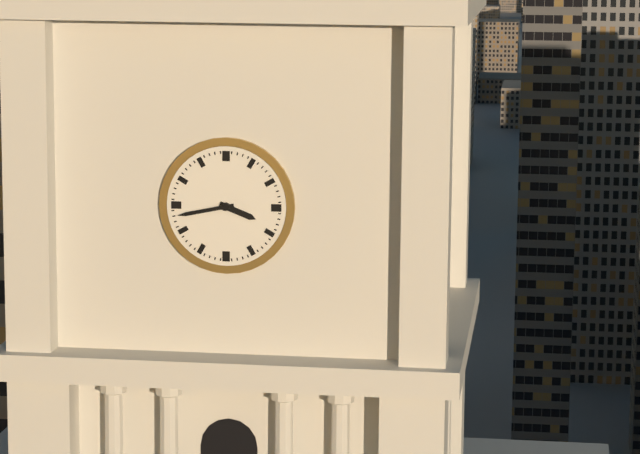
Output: **3:43**
